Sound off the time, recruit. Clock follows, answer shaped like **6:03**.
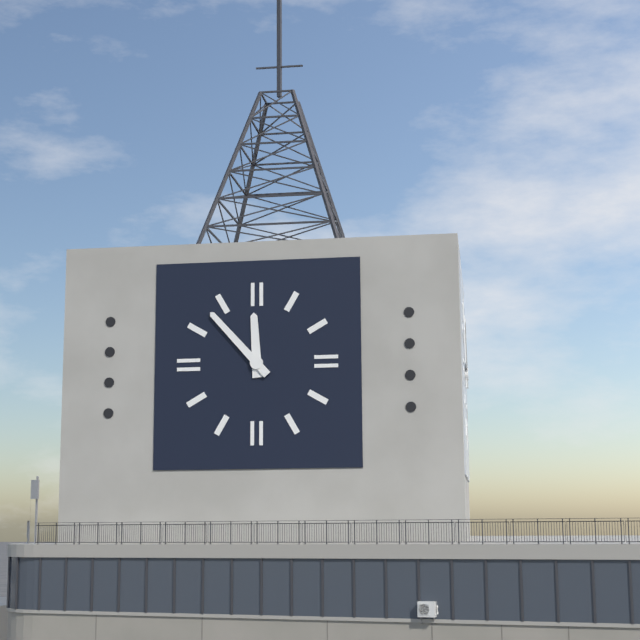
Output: **11:53**
